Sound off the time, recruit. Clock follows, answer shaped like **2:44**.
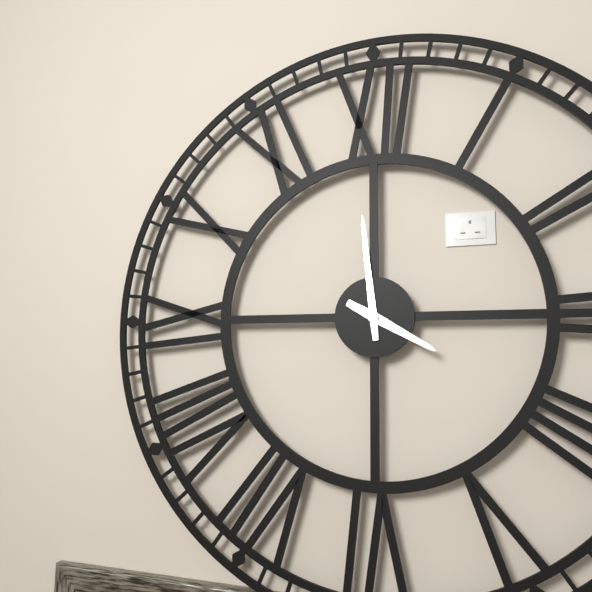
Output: **3:59**
